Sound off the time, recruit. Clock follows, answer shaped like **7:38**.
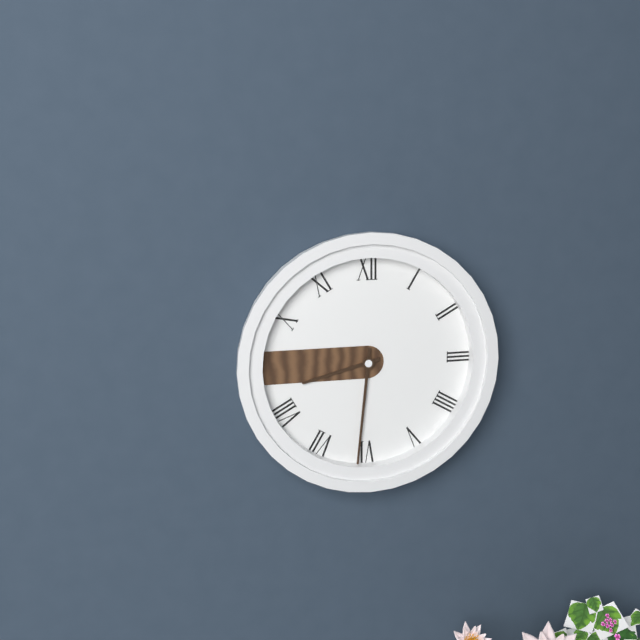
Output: **8:31**
